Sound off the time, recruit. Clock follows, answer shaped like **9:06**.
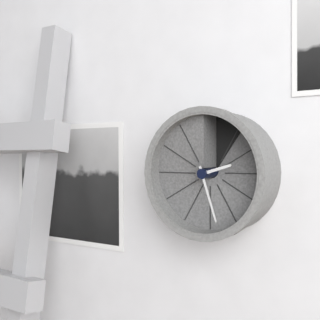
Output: **2:27**
